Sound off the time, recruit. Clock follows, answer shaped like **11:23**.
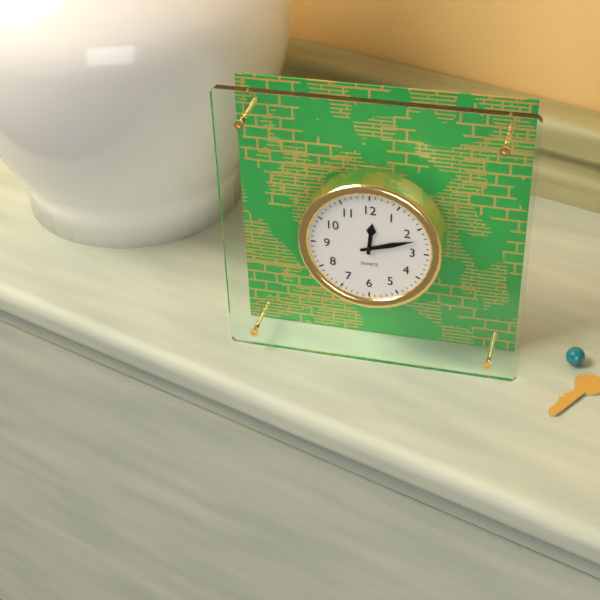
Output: **12:12**
